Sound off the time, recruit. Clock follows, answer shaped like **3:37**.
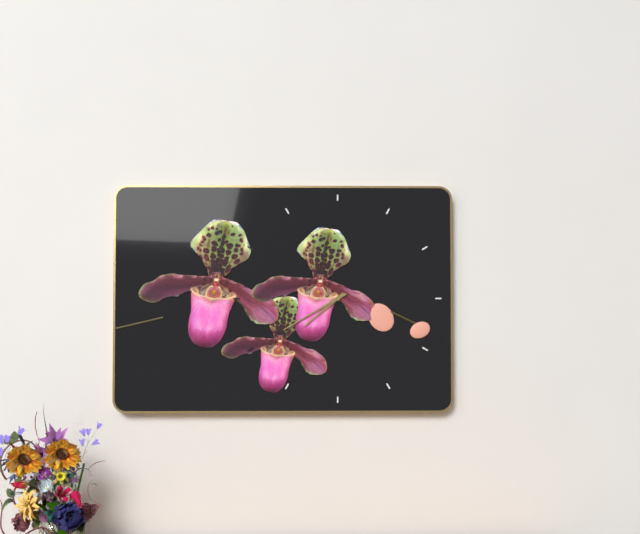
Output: **7:40**
